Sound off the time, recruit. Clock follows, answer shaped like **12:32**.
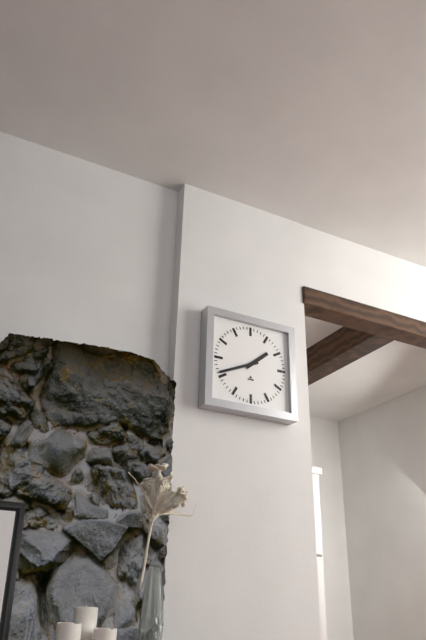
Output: **1:41**
